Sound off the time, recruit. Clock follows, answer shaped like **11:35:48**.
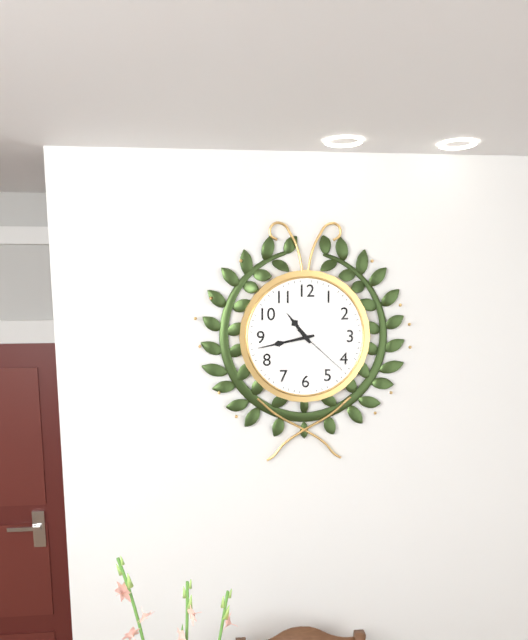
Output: **10:43:22**
